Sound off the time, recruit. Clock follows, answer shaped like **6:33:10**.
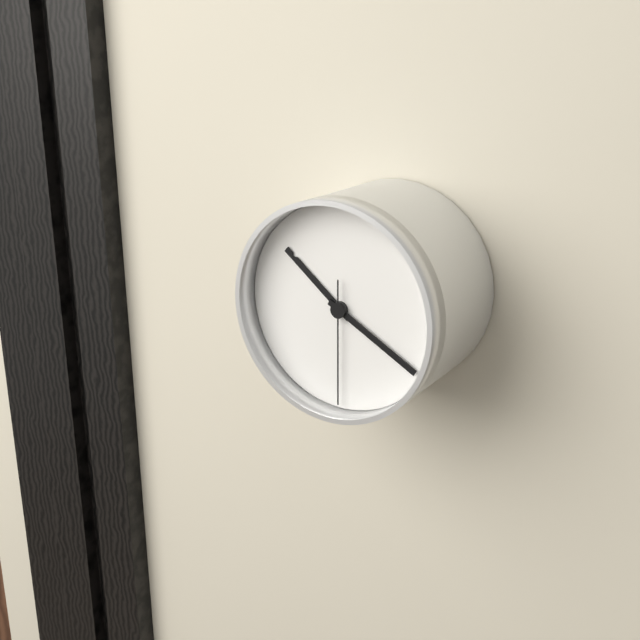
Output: **10:20:30**
